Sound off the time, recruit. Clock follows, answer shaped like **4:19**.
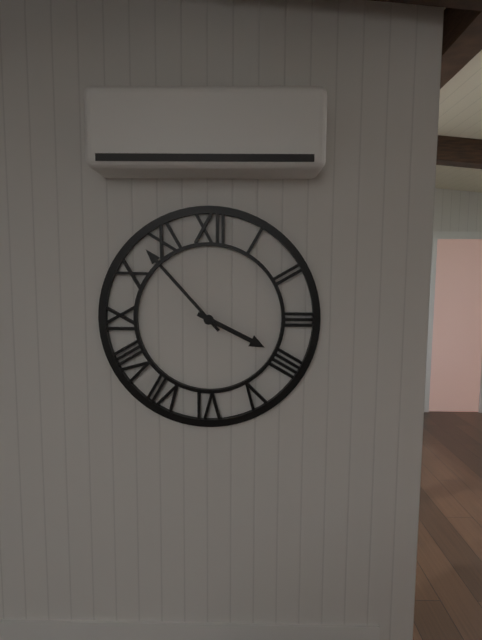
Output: **3:53**
